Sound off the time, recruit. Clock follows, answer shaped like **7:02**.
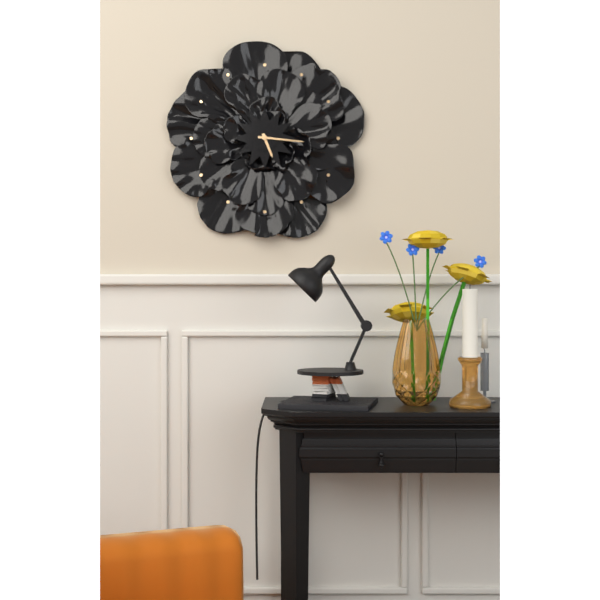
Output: **5:16**
